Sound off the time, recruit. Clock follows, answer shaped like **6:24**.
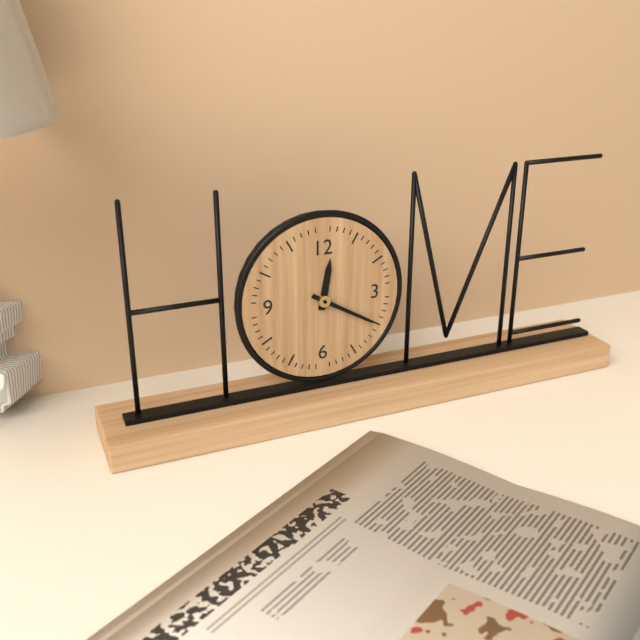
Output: **12:20**
